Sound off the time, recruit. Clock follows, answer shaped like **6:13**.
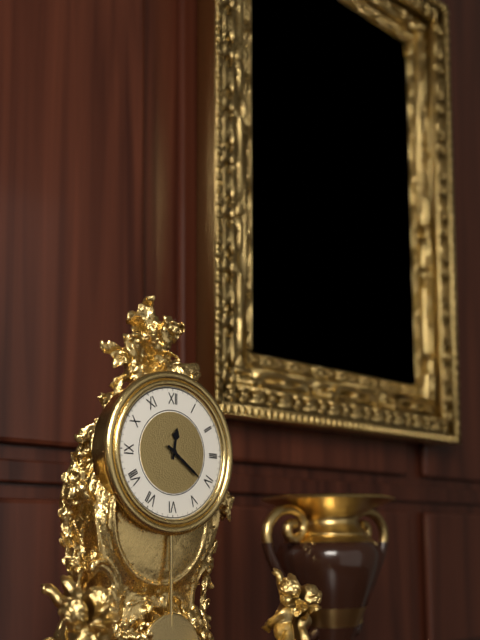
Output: **12:21**
